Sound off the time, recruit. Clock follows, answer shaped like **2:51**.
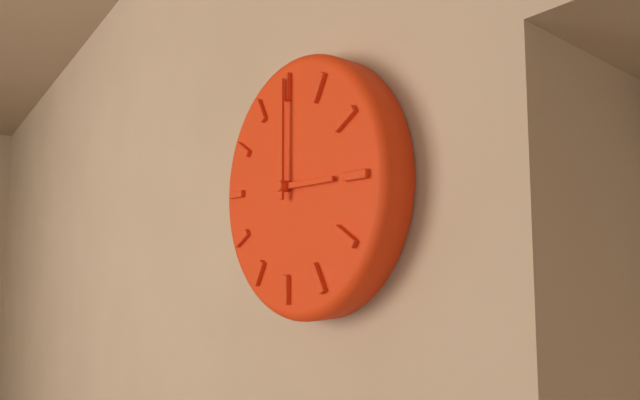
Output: **3:00**
